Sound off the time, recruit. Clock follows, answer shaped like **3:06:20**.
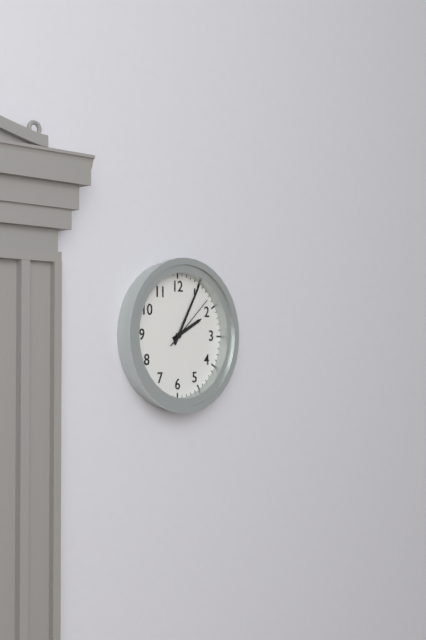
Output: **2:05:08**
